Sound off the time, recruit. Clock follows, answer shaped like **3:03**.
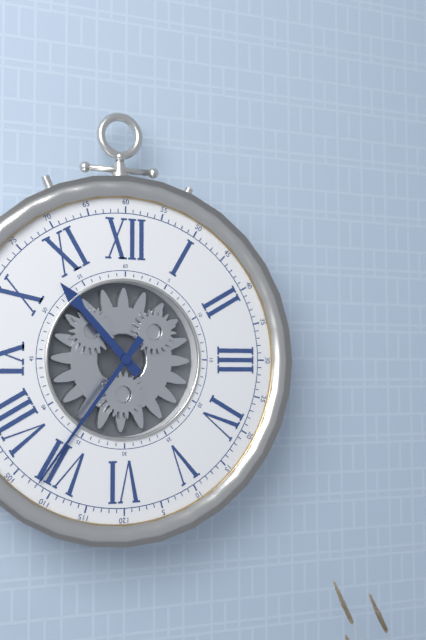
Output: **10:36**
